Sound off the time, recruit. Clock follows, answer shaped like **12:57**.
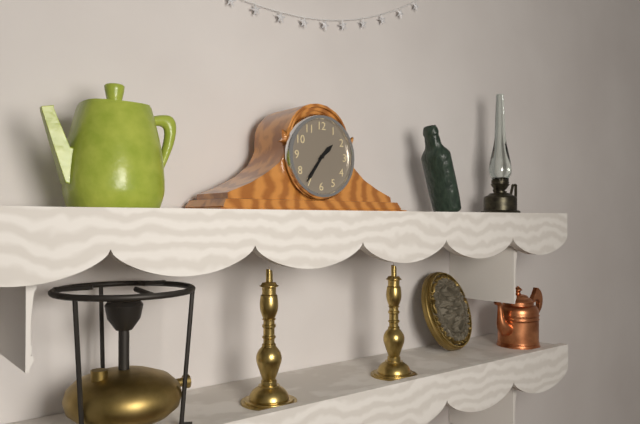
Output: **1:36**
